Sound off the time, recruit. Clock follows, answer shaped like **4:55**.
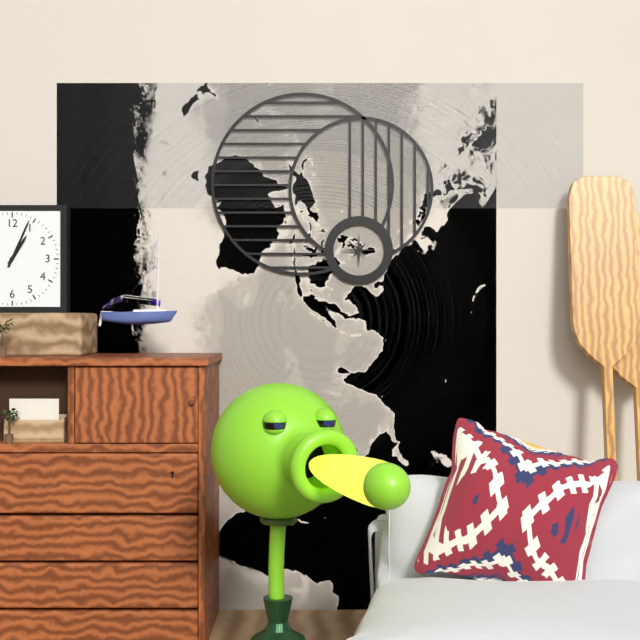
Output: **1:04**
